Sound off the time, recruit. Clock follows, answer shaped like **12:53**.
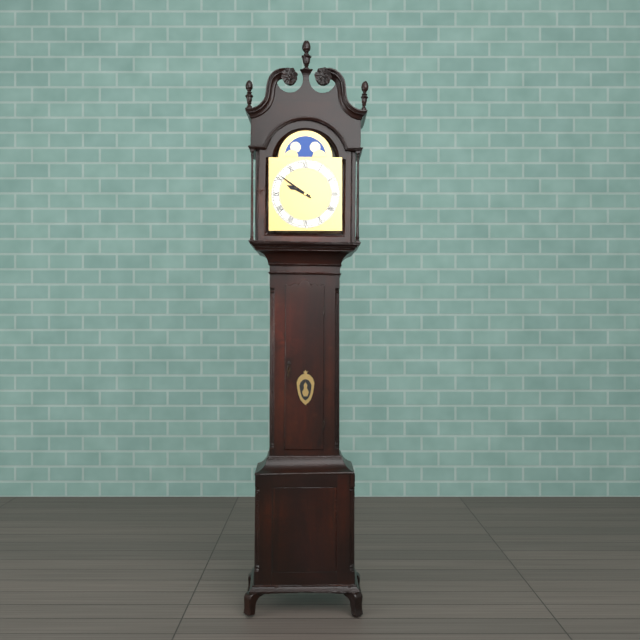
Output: **9:51**
